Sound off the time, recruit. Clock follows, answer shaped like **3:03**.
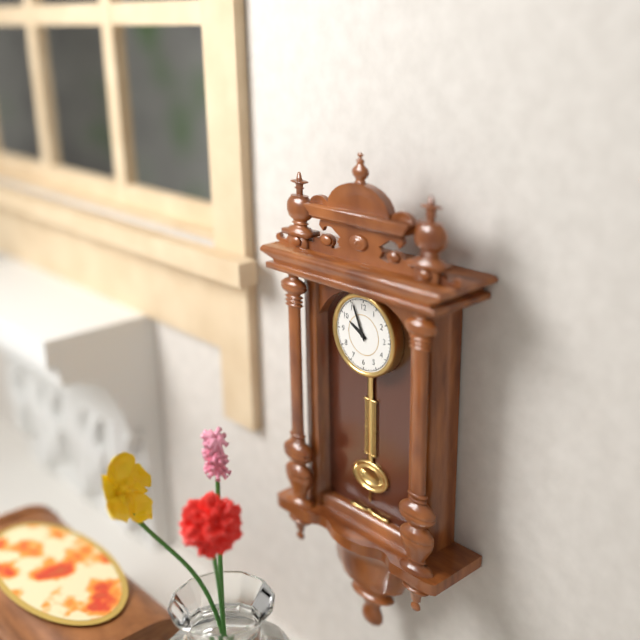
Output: **9:56**
